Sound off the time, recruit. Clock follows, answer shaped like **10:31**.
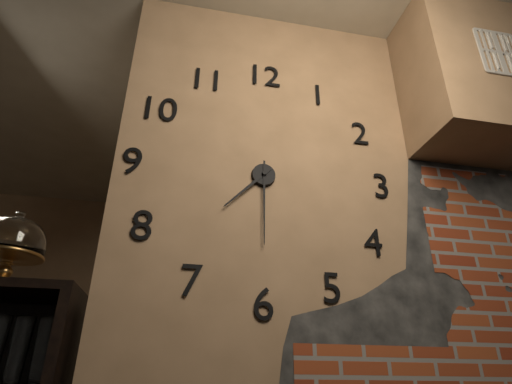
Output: **7:30**
